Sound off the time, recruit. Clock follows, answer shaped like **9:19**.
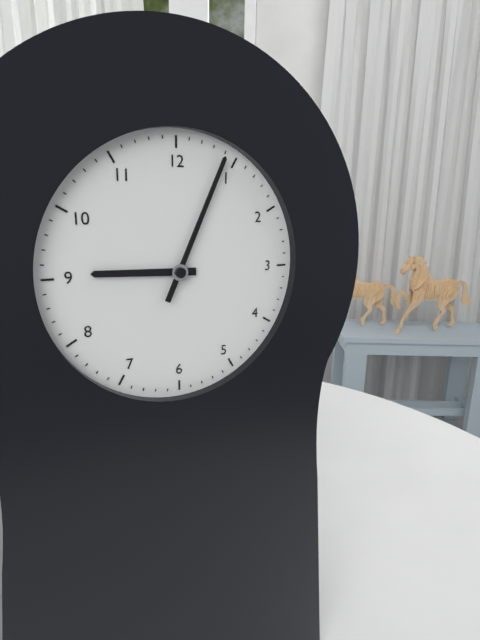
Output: **9:04**
